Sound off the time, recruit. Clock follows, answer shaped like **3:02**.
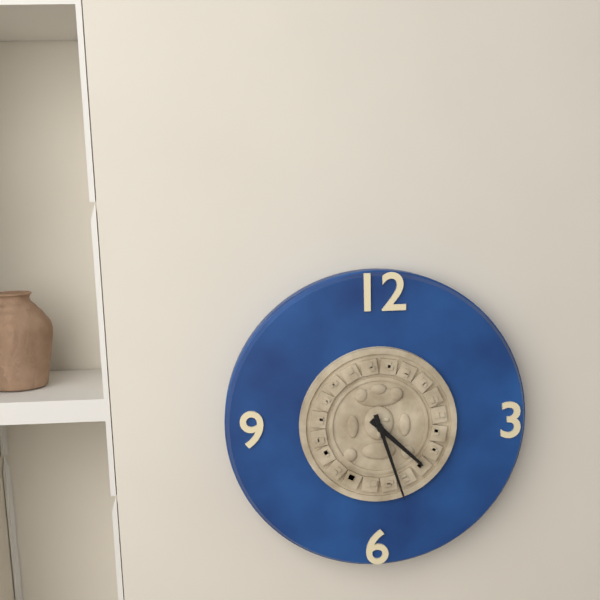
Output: **4:27**
